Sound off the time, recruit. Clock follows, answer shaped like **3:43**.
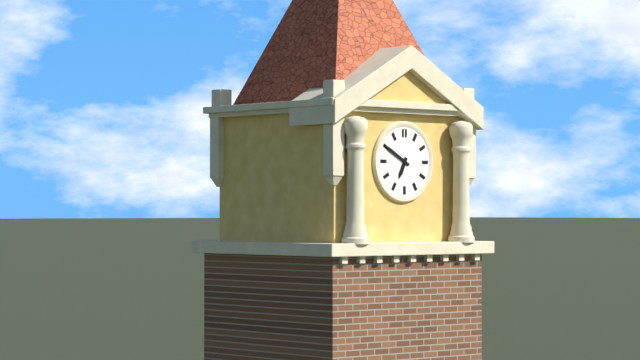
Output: **6:50**
